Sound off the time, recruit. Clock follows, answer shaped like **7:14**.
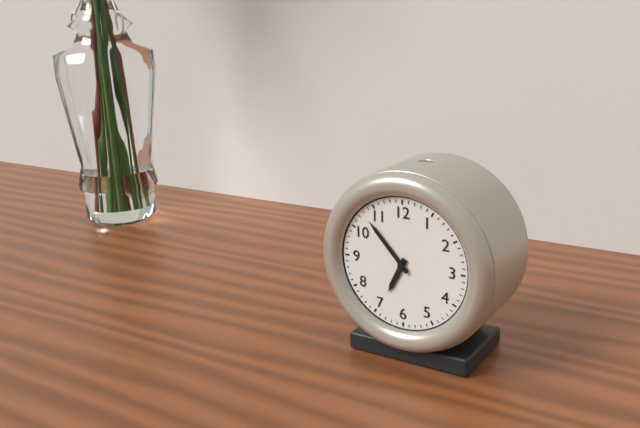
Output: **6:53**
